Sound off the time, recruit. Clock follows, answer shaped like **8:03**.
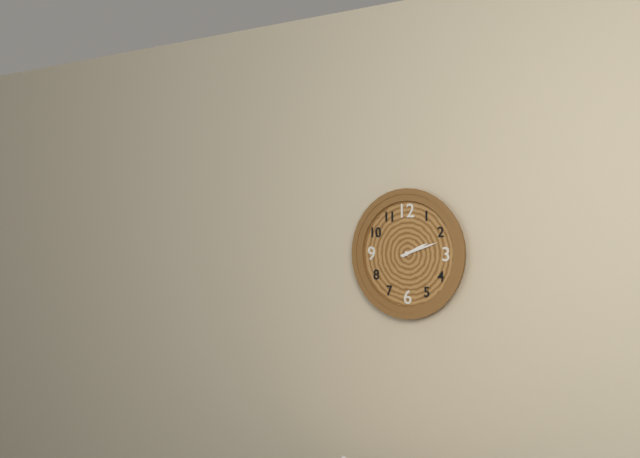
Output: **2:12**
